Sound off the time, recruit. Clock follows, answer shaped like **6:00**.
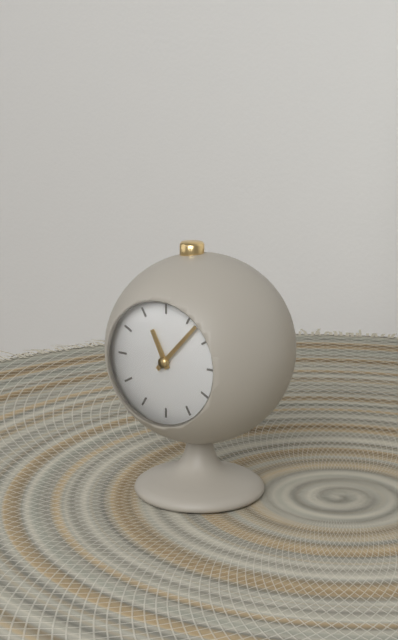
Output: **11:07**
